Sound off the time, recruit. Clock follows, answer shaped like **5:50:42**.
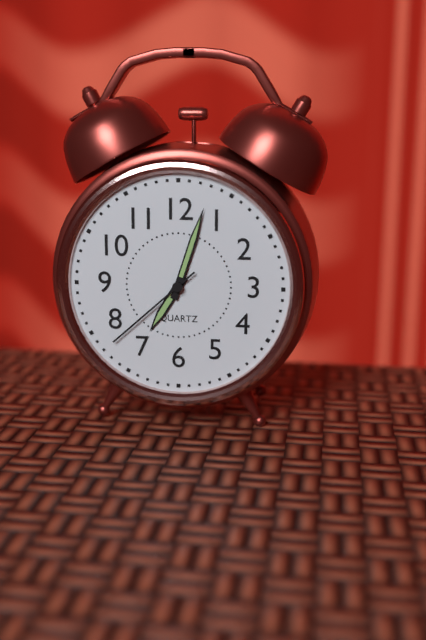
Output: **7:03:38**
